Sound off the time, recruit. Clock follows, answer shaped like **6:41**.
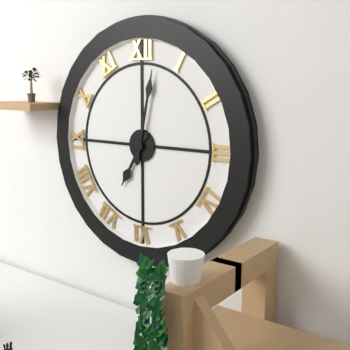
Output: **7:02**
